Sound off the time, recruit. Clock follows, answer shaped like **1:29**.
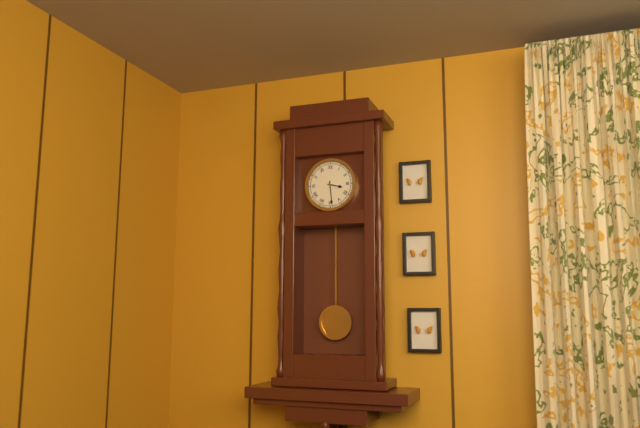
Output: **3:29**
